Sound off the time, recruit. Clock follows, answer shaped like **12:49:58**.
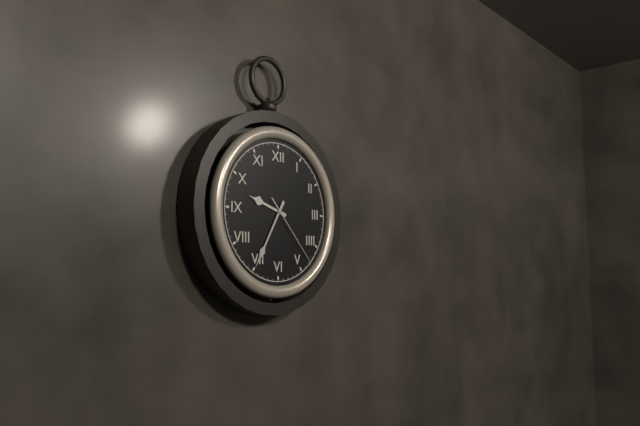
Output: **9:35:23**
